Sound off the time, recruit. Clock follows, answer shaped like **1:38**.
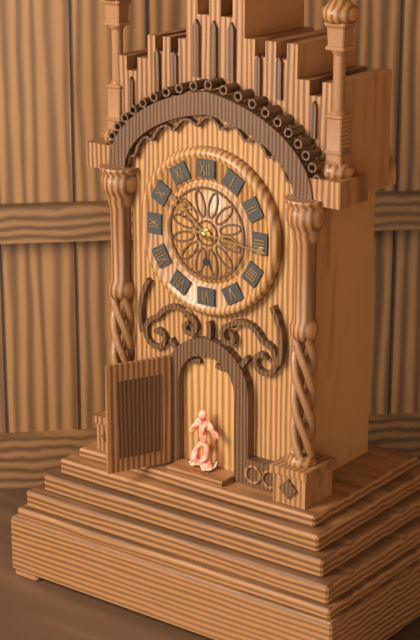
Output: **10:16**
